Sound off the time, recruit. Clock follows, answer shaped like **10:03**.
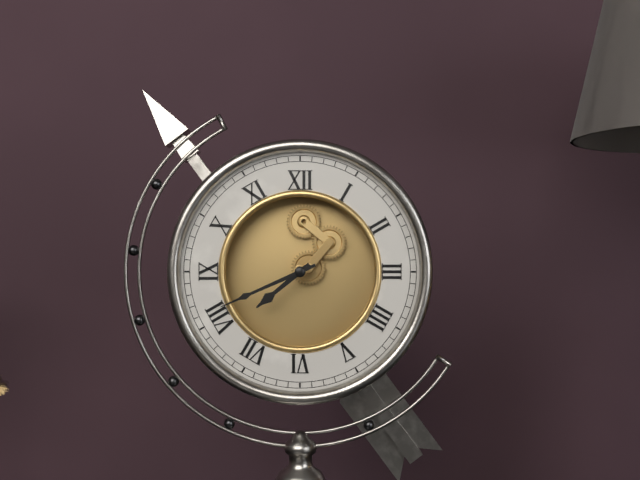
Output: **7:41**
